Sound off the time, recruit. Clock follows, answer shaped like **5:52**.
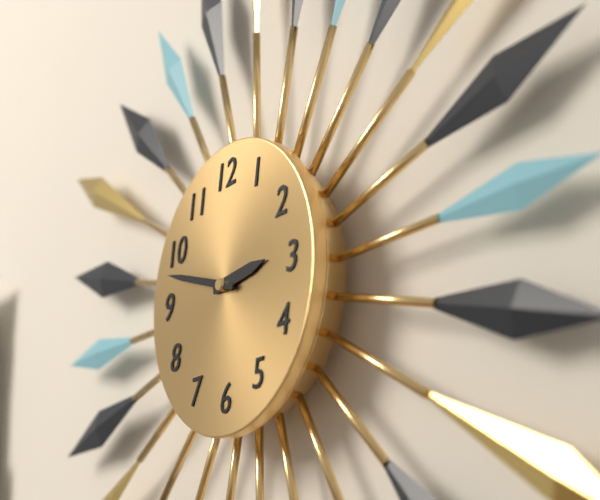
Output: **2:48**
